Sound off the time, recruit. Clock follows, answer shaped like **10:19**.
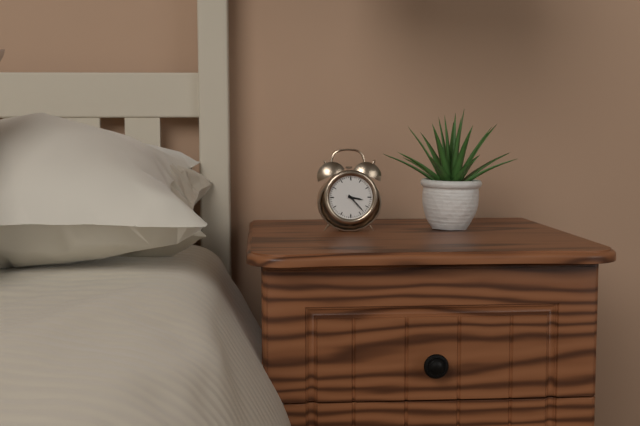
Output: **3:23**
